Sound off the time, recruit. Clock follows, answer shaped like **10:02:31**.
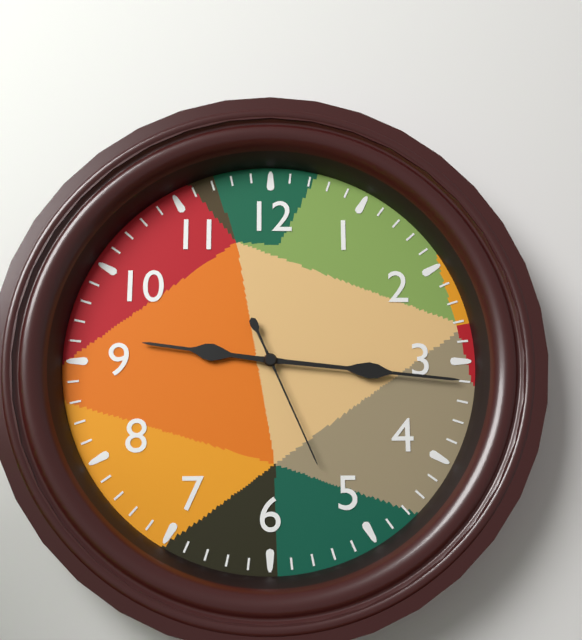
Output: **9:16:26**
